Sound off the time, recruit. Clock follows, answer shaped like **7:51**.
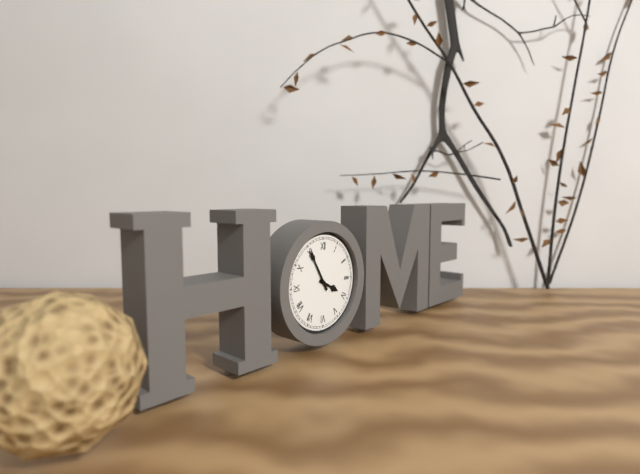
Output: **3:55**
